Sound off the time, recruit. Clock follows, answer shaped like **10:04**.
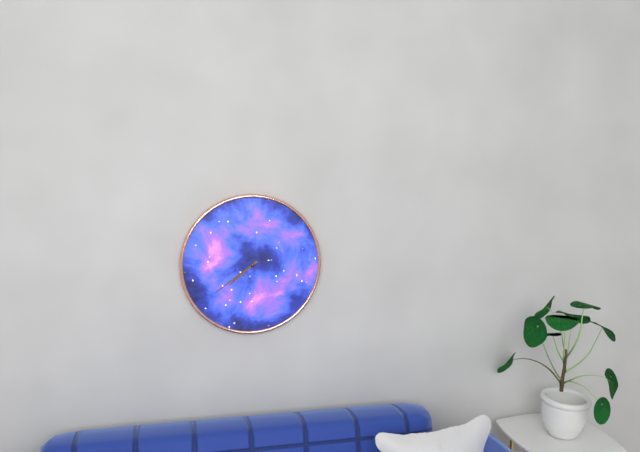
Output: **7:39**
